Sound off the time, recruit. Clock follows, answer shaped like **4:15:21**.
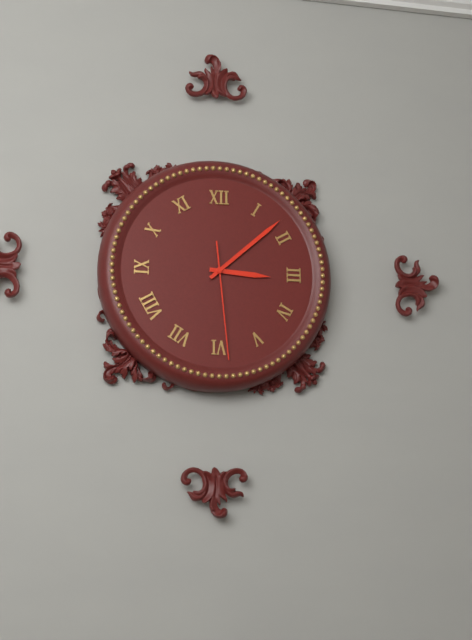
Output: **3:08:29**
